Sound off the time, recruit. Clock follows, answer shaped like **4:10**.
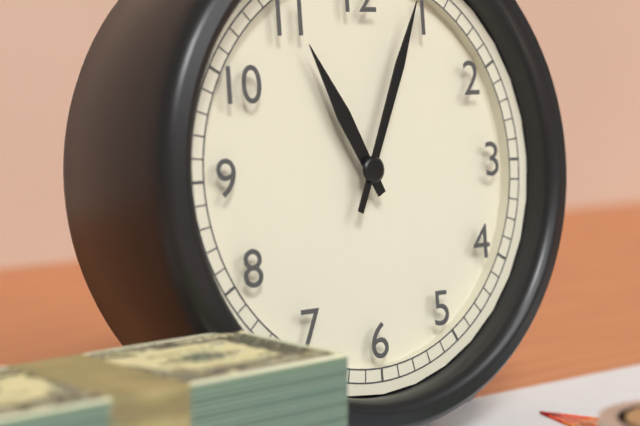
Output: **11:04**
